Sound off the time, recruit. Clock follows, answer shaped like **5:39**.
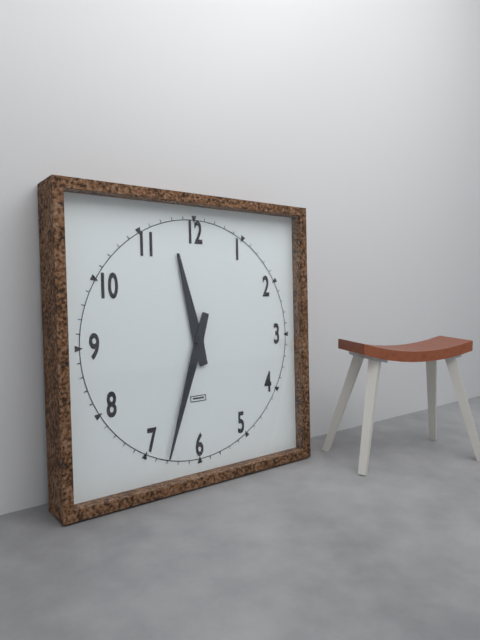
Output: **11:33**
